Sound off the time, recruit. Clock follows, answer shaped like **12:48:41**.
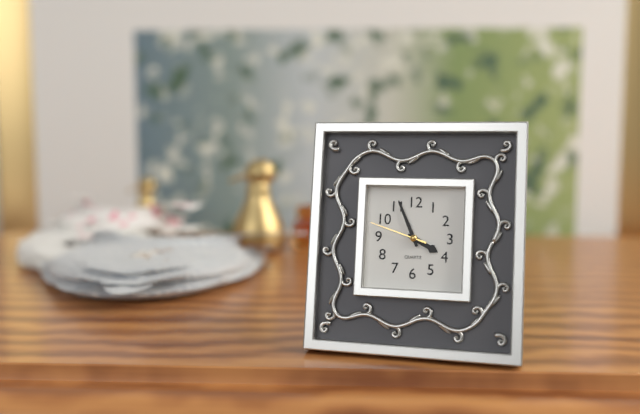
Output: **3:56:48**
